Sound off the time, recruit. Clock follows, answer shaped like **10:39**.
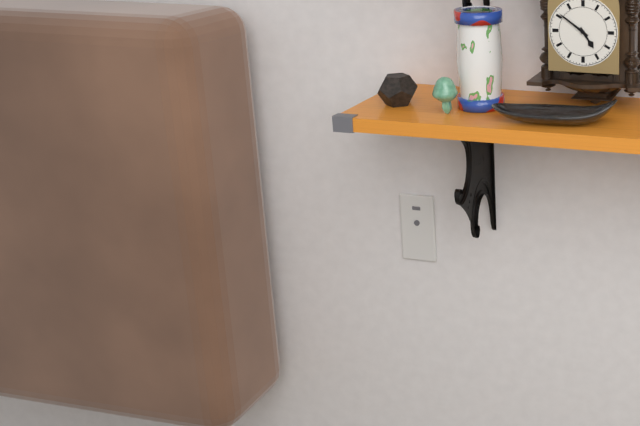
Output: **4:51**
